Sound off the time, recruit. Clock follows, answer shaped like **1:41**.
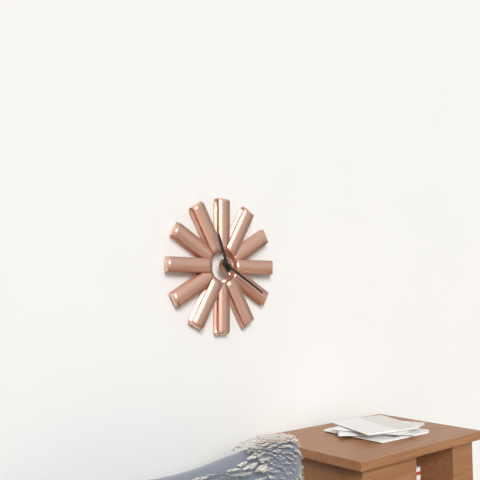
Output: **11:20**
